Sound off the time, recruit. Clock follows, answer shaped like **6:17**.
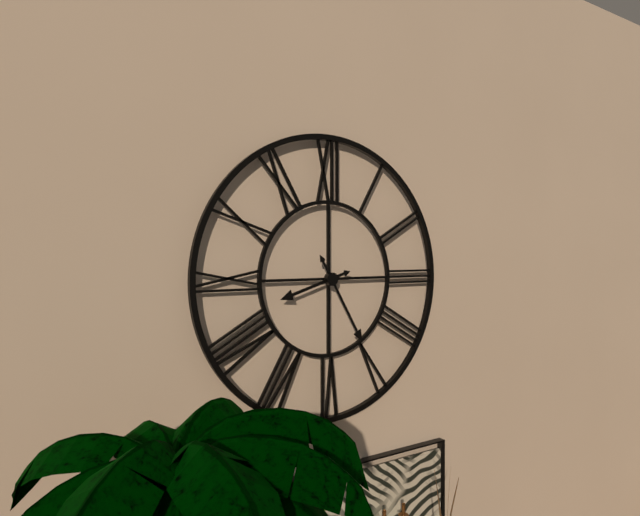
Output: **8:25**
